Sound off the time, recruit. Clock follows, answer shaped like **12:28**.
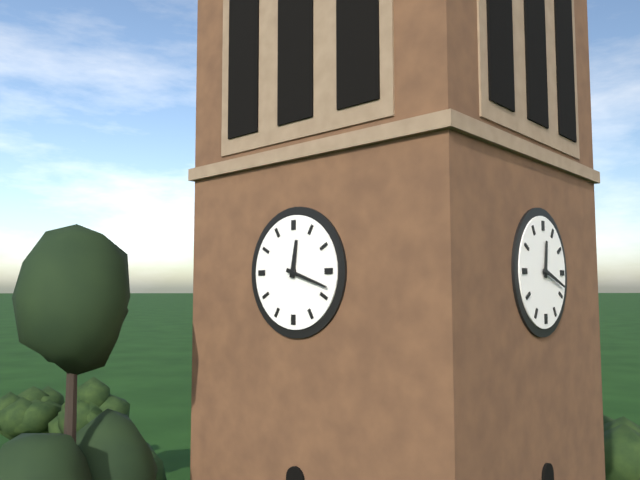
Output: **12:18**
